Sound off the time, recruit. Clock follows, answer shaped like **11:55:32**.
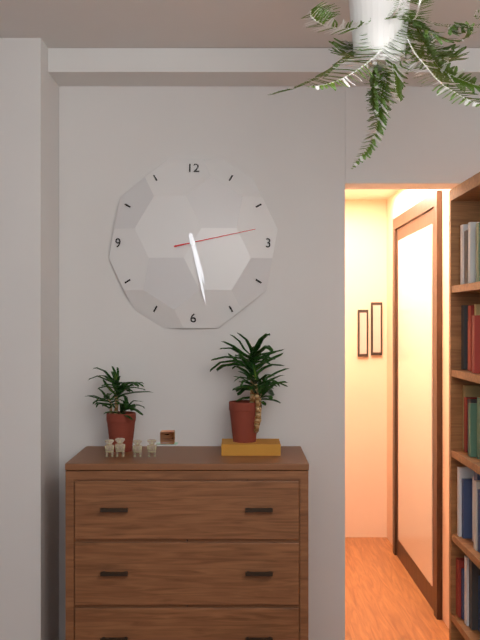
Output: **5:28:13**
